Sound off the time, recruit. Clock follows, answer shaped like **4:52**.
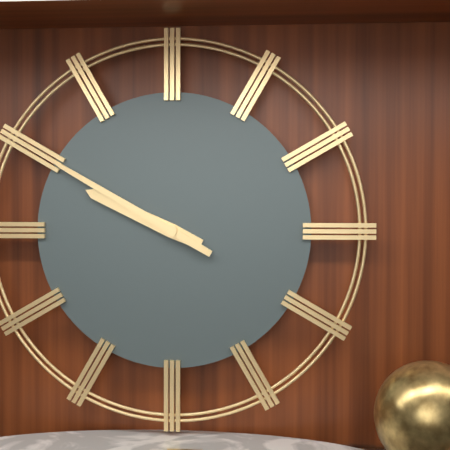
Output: **9:50**
